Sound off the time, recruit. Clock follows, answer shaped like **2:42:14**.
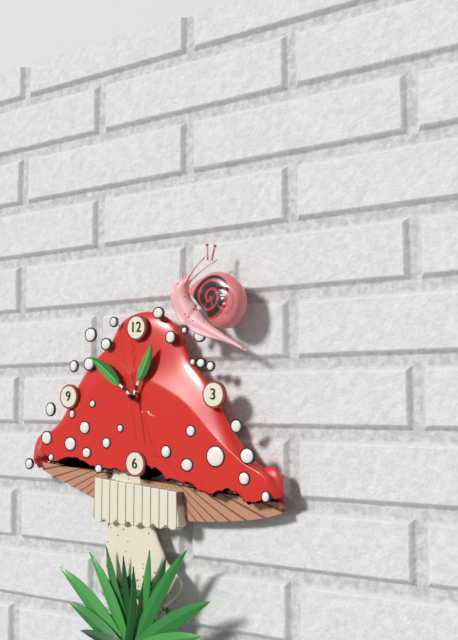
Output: **12:51:58**
